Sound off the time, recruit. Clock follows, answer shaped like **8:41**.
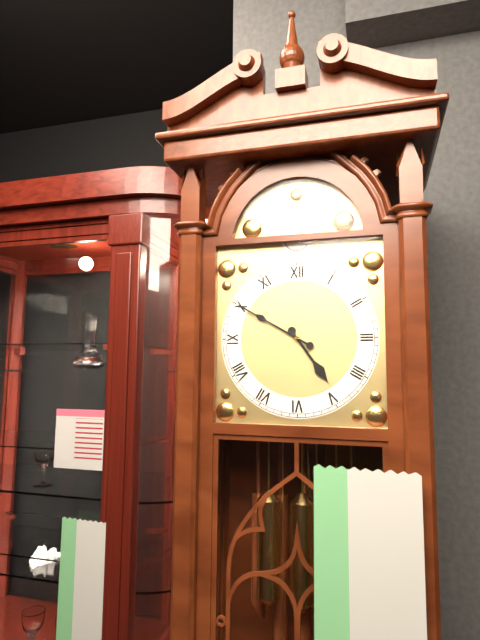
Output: **4:50**
